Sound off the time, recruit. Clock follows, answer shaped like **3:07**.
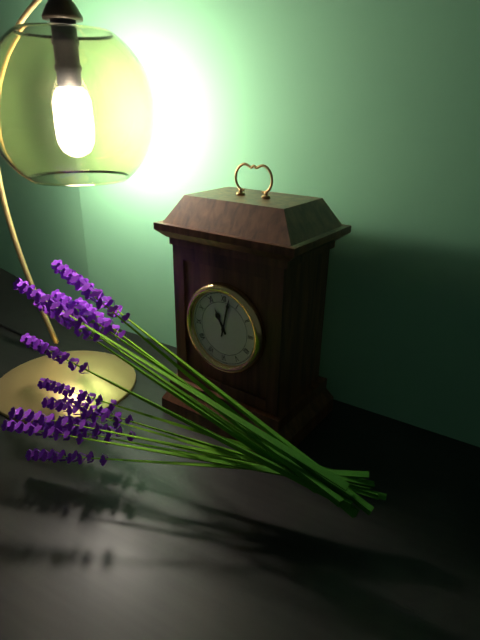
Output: **11:02**
